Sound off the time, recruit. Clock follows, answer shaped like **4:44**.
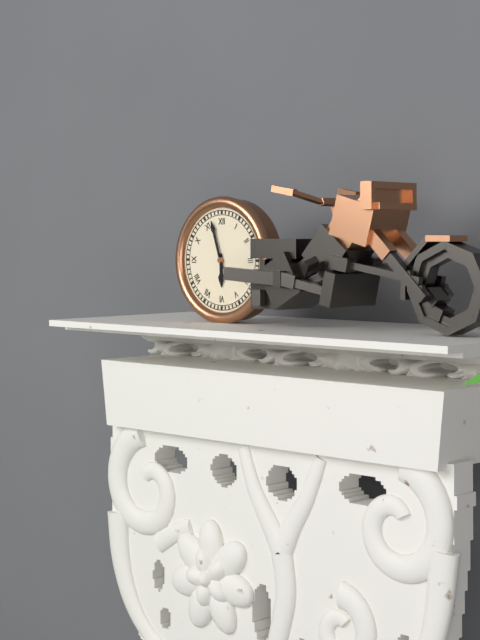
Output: **5:57**
